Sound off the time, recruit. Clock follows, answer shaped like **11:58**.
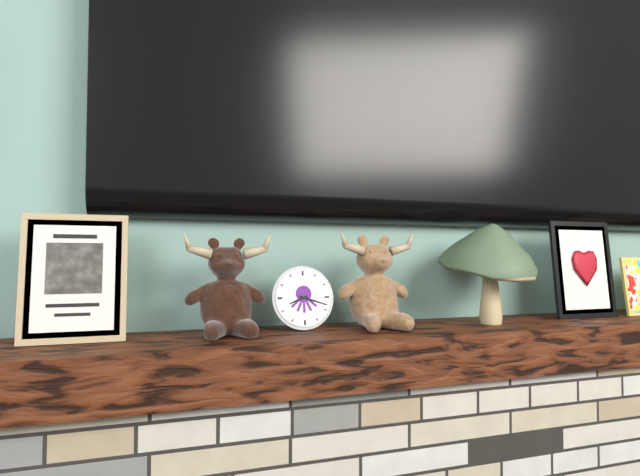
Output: **8:18**
